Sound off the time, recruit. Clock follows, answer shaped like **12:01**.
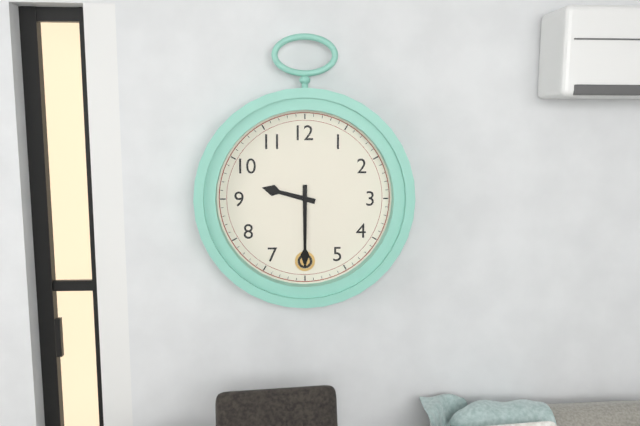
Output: **9:30**
